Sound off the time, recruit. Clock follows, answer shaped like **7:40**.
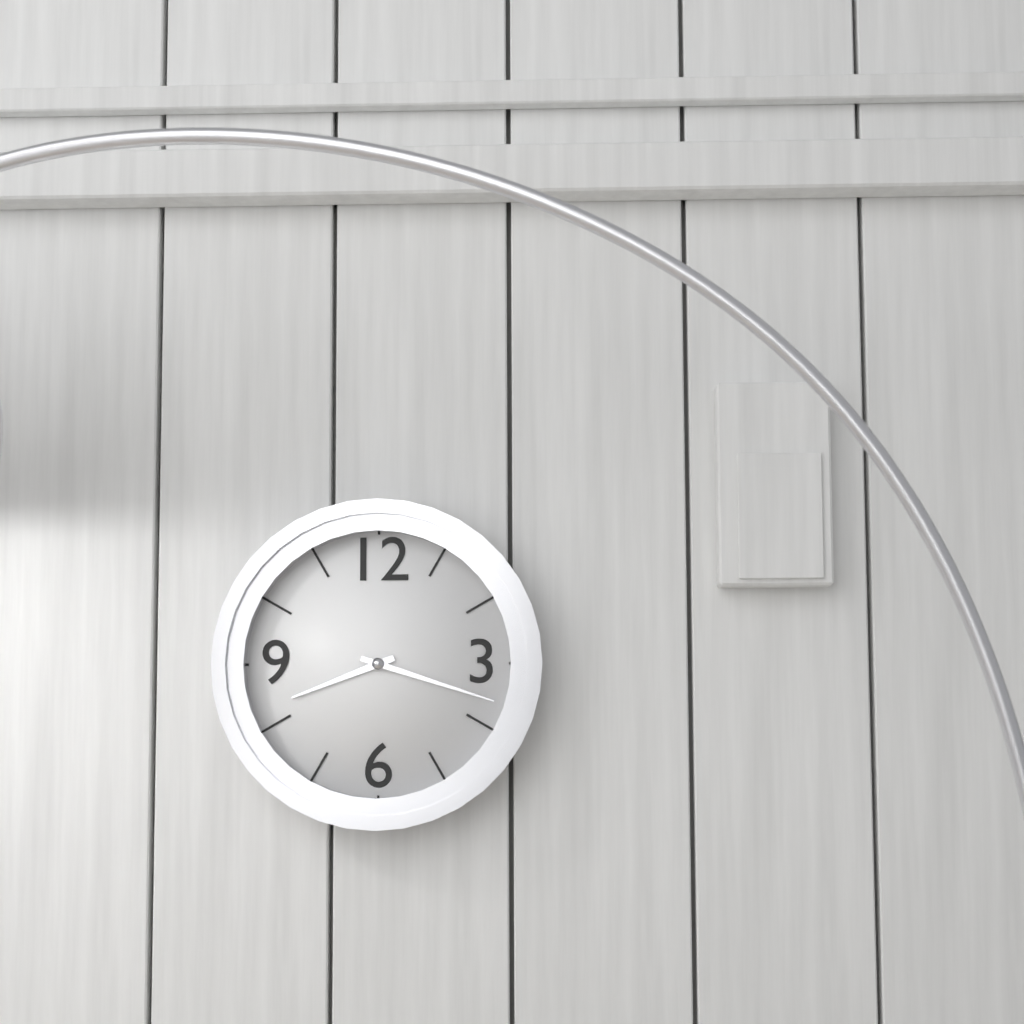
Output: **8:18**
